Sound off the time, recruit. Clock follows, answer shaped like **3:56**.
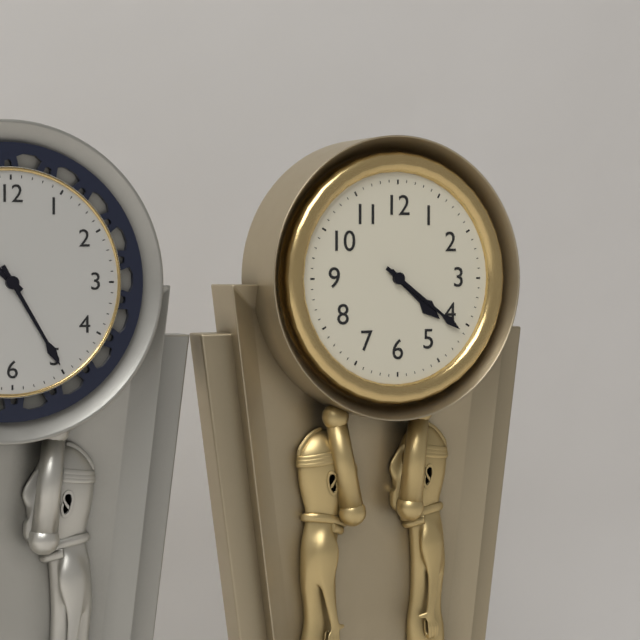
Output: **4:21**
